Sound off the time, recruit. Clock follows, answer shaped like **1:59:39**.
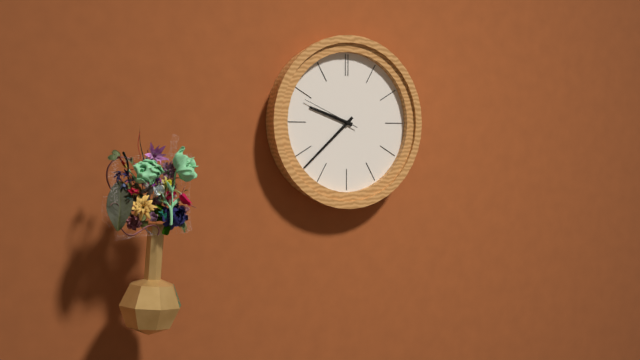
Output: **9:38:49**
